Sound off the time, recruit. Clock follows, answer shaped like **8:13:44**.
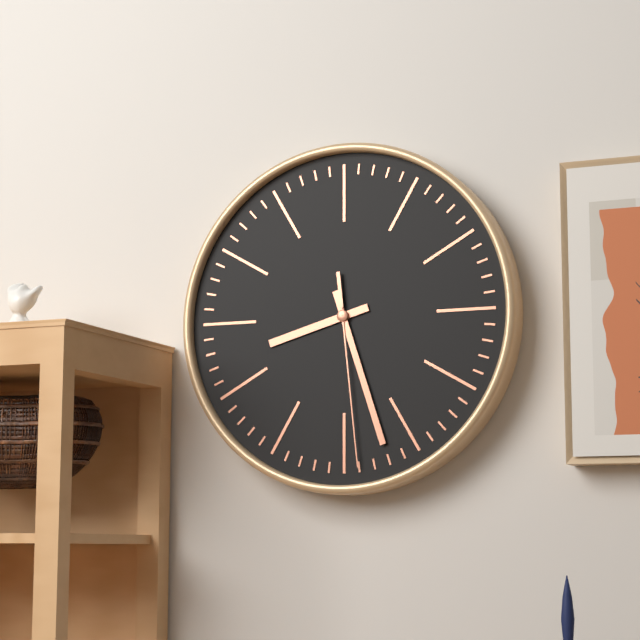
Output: **8:27:29**
